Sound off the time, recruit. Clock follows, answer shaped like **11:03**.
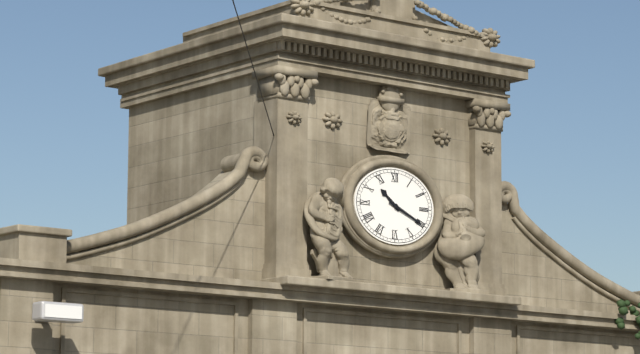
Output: **10:19**
